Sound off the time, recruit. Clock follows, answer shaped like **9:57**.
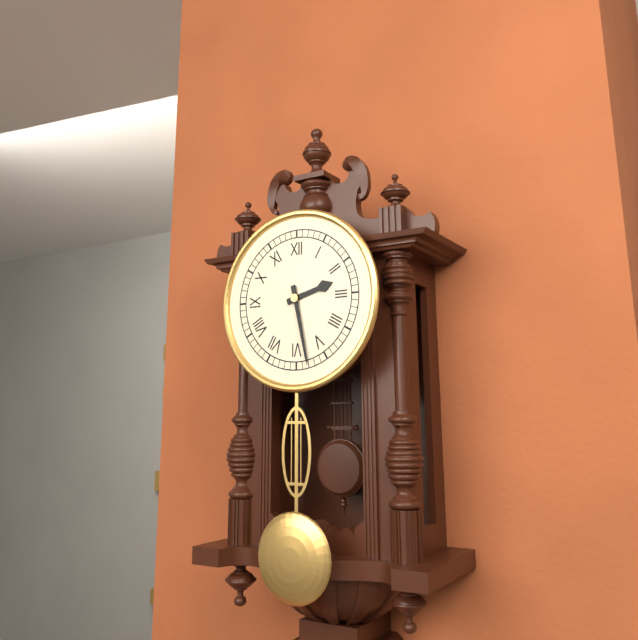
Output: **2:28**
